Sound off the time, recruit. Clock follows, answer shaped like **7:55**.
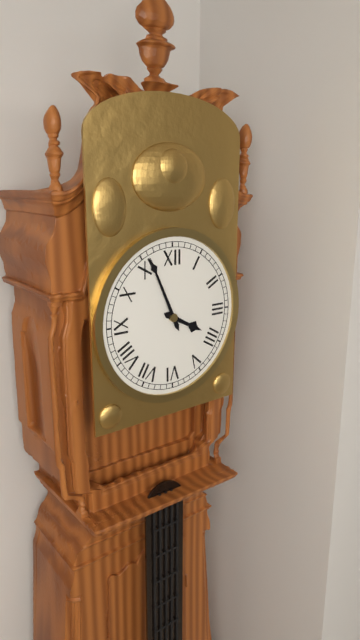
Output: **3:56**
